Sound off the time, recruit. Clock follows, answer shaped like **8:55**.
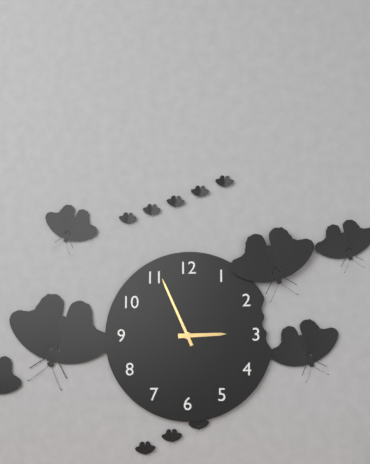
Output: **2:56**
